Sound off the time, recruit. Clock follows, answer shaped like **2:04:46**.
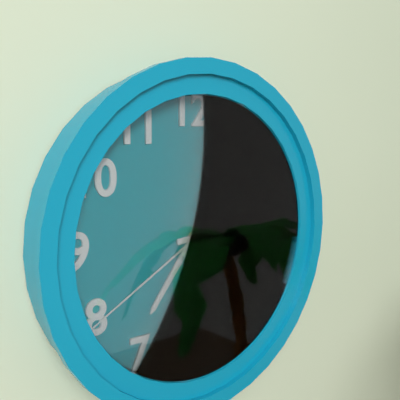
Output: **7:14:40**
